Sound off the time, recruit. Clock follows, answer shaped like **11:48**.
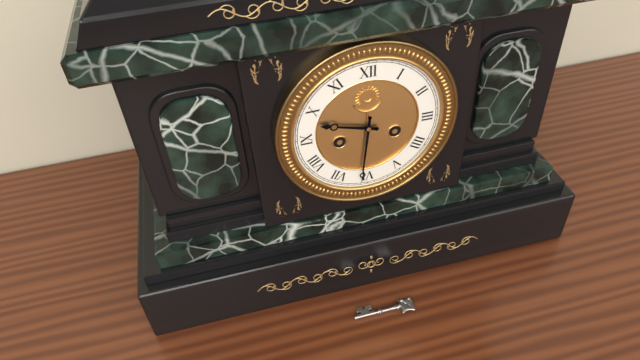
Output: **9:31**
